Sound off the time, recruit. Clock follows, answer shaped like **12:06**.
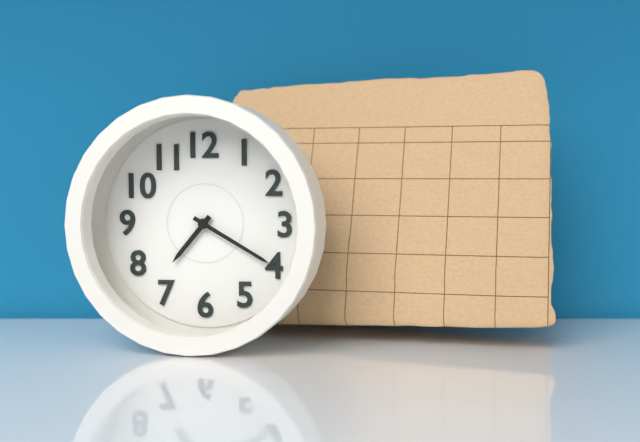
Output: **7:20**
